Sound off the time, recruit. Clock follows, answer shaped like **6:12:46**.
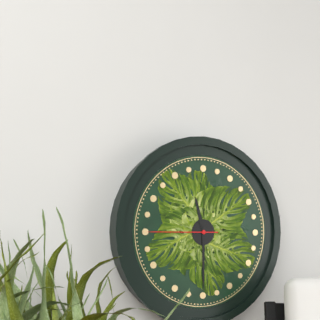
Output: **11:30:45**
